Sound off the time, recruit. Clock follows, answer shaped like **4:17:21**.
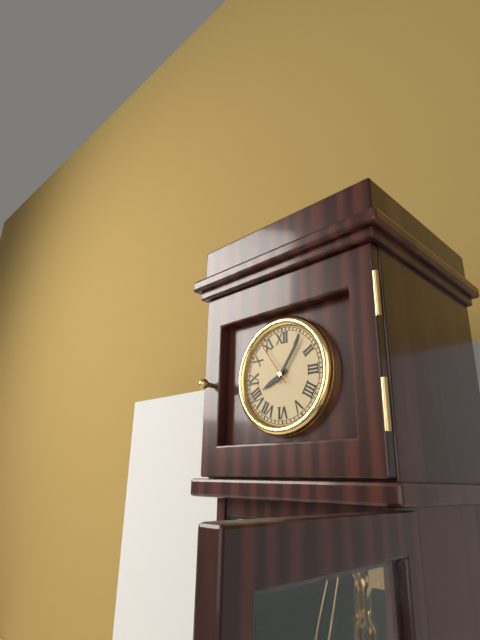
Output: **8:06:54**
